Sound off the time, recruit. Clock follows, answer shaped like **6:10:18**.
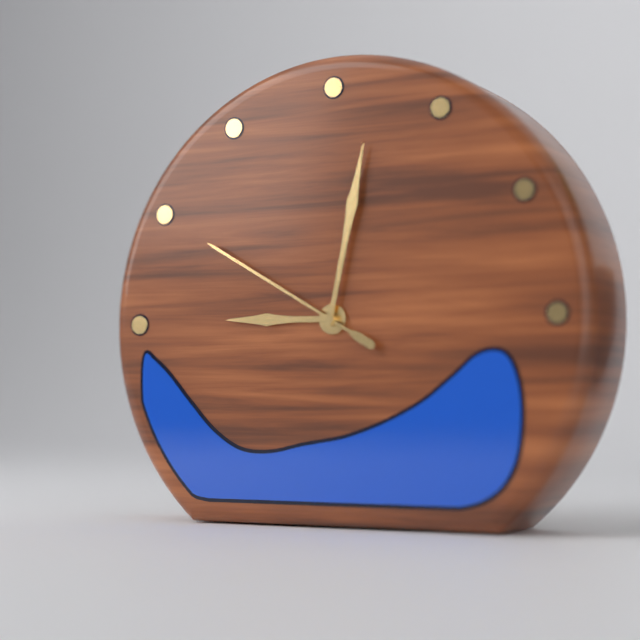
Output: **9:02:50**
